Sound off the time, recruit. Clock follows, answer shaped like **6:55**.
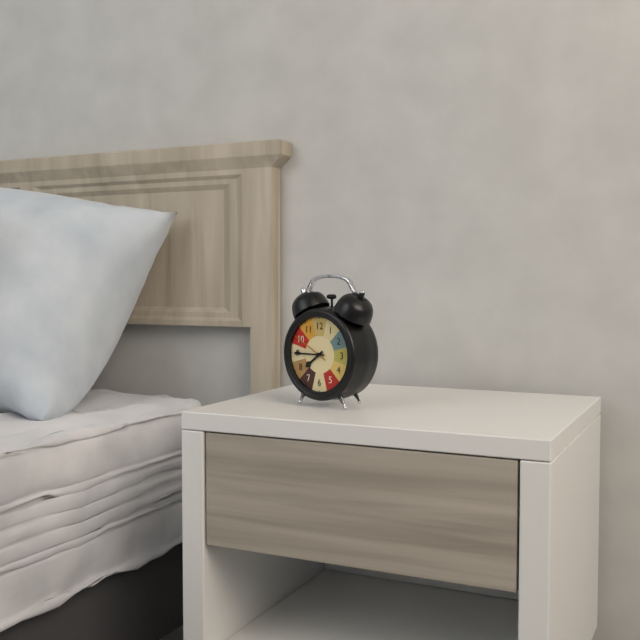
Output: **7:45**
